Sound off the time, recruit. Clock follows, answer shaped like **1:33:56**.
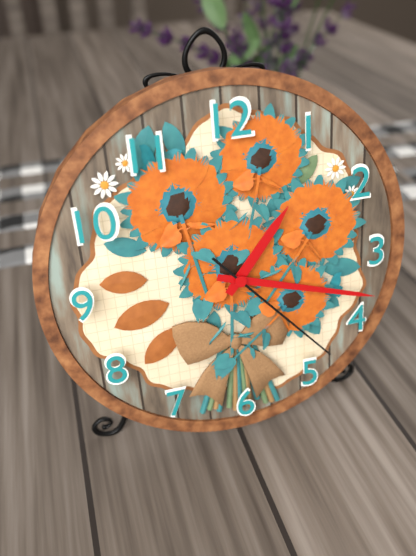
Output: **1:18:23**
